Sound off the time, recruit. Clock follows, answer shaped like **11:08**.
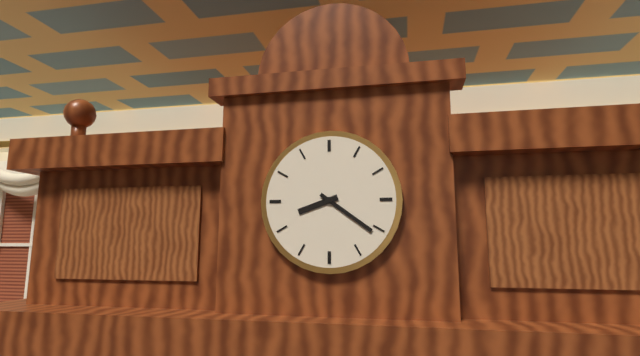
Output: **8:21**
